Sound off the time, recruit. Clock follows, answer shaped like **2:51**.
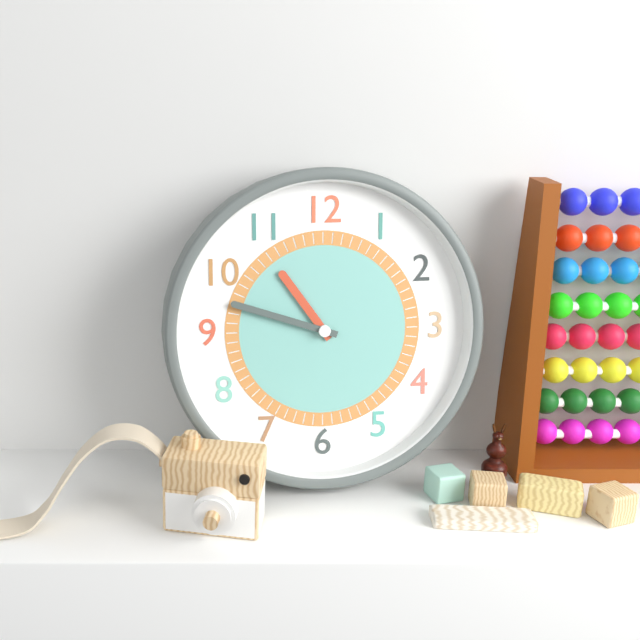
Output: **10:48**
